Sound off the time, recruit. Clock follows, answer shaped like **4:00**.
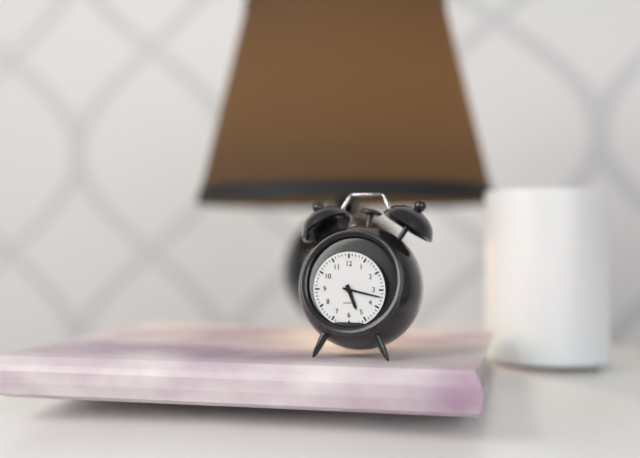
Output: **5:17**
